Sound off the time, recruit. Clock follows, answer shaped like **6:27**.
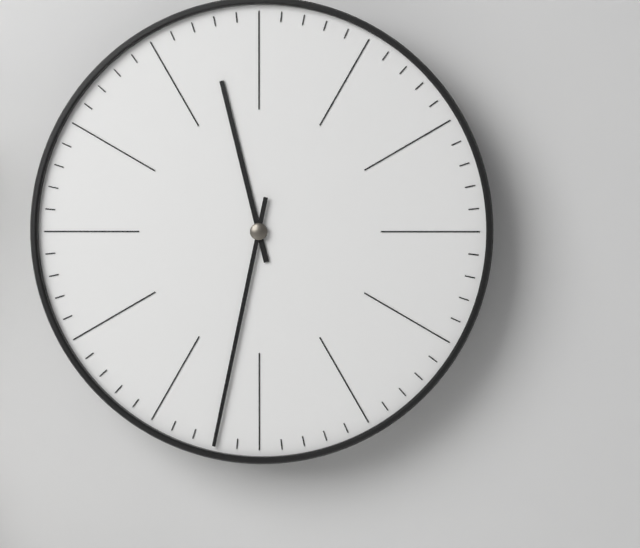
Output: **11:32**
